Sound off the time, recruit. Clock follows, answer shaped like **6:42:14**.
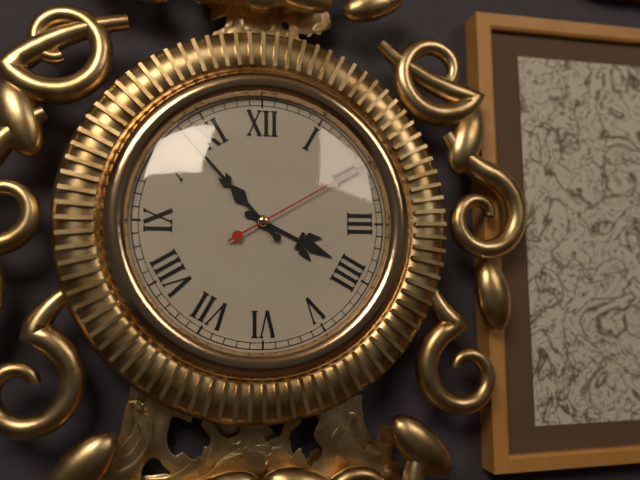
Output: **3:53:10**
